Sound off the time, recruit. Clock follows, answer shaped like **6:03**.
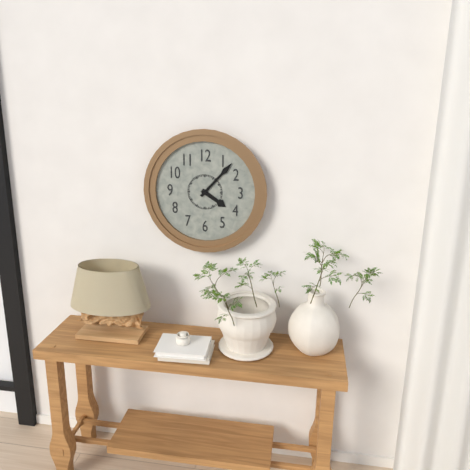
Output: **4:07**
